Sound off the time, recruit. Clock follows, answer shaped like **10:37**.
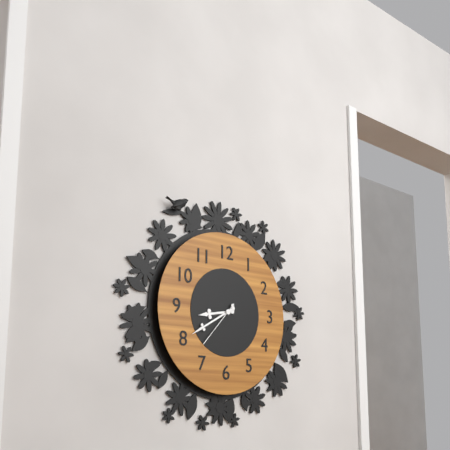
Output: **8:40**
